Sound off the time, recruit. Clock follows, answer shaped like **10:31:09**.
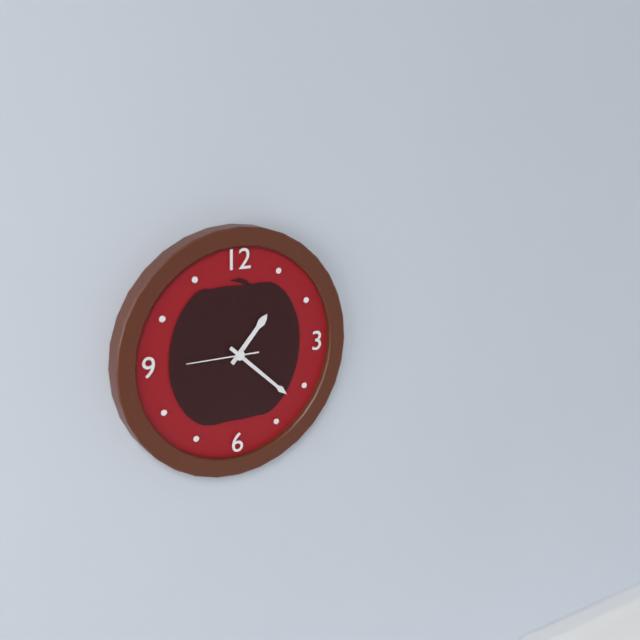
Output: **1:22:45**
